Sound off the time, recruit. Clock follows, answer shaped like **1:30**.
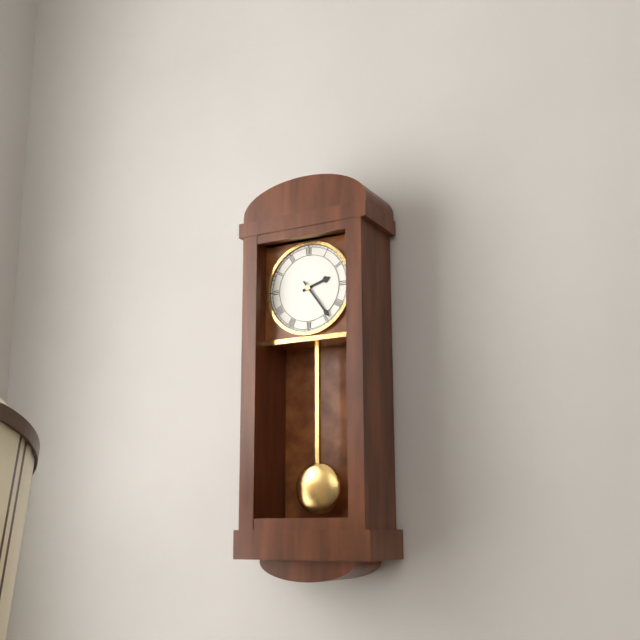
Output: **2:24**
